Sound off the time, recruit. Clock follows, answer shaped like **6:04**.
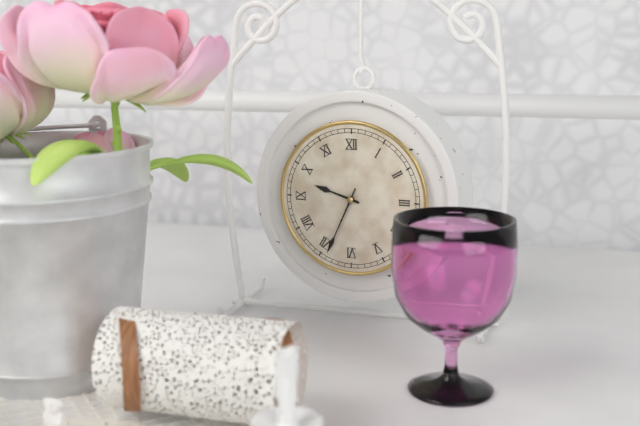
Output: **9:34**
